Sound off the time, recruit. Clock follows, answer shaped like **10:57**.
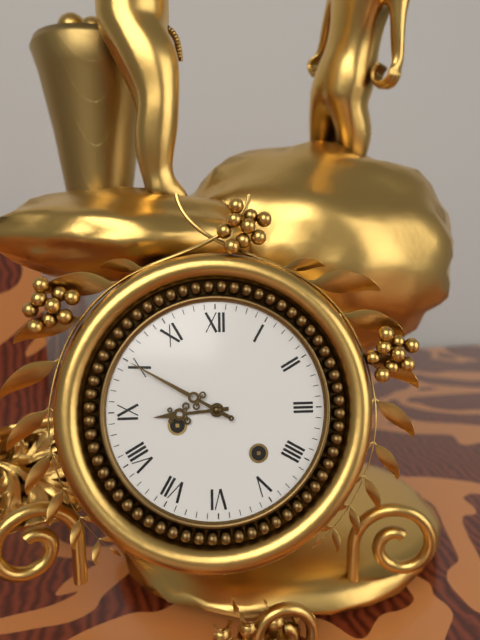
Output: **8:50**
